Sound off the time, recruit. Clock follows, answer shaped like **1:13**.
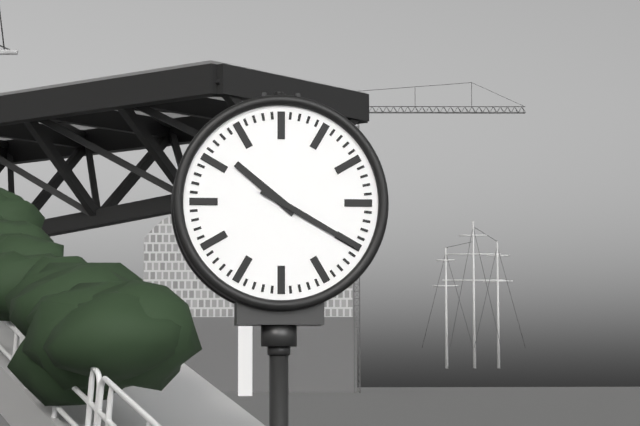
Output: **10:20**
